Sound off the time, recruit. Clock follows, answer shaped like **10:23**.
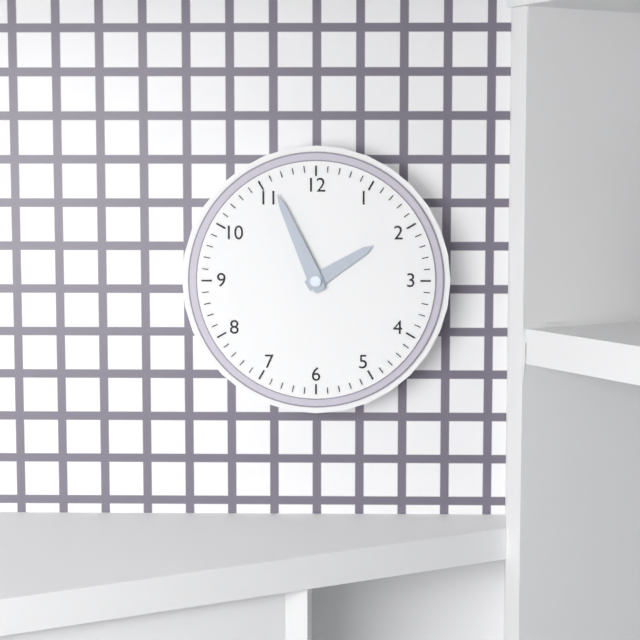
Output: **1:56**
